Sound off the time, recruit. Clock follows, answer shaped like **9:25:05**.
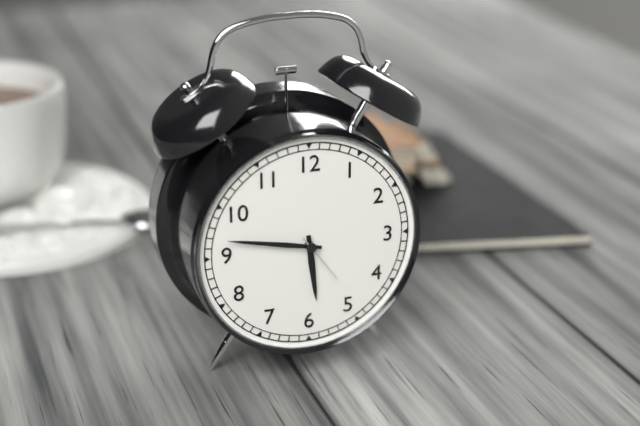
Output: **5:47:24**
